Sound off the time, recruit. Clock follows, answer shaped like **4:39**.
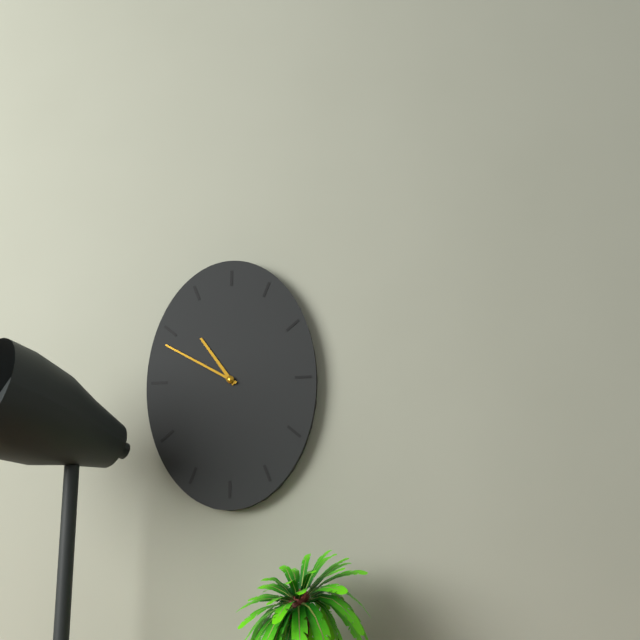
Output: **10:50**
